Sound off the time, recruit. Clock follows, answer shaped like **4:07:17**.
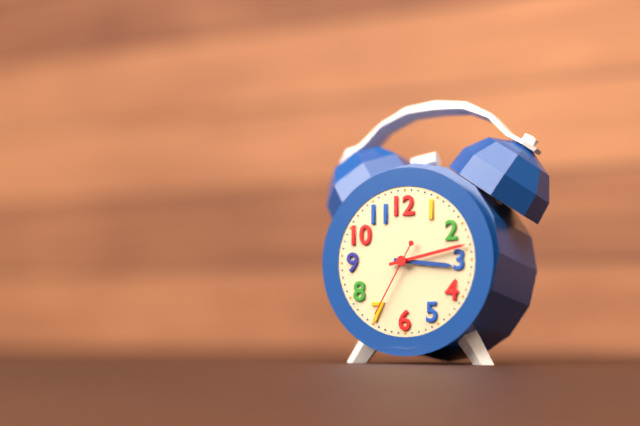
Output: **3:13:35**
